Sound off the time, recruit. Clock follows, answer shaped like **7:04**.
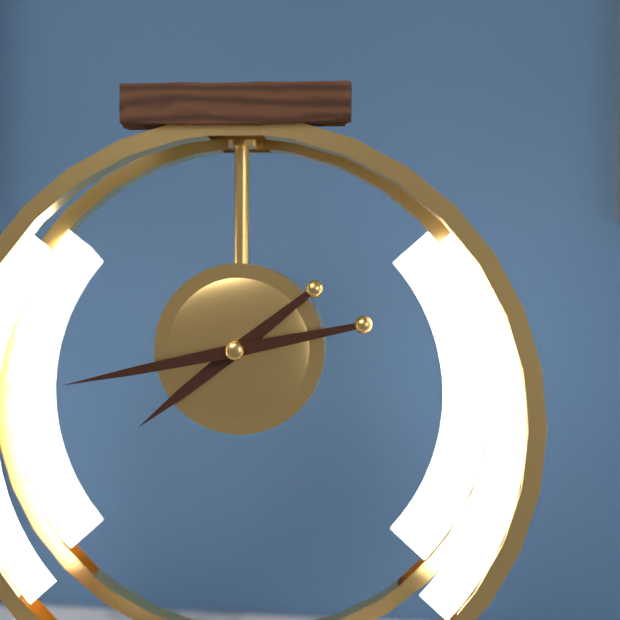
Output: **7:43**
